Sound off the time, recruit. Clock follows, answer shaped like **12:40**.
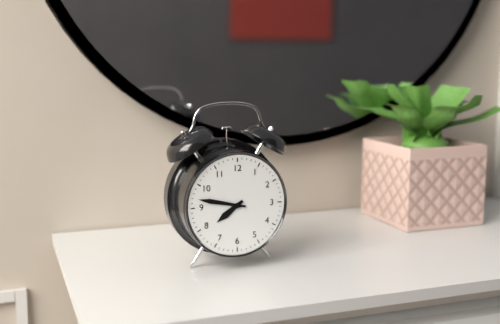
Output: **7:47**
